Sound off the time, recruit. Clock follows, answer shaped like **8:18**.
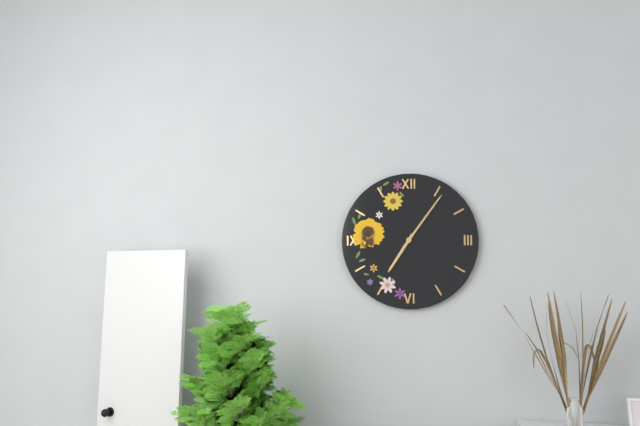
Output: **7:06**
